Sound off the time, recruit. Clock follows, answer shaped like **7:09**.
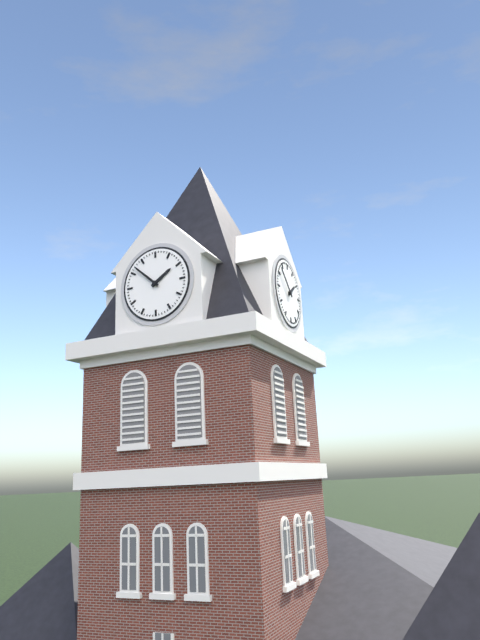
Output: **1:52**
